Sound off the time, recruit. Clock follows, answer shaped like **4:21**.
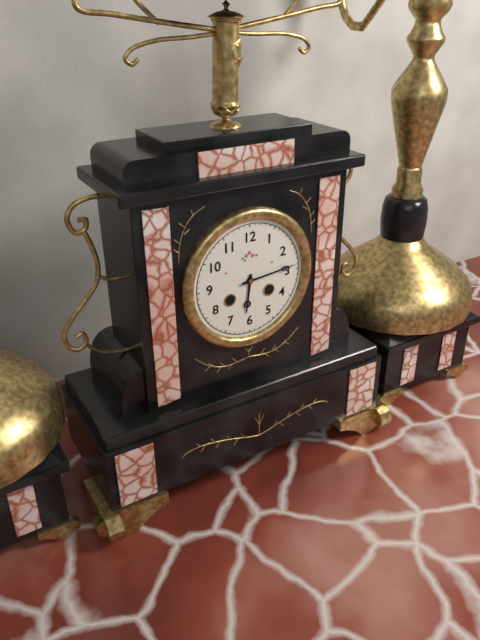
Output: **6:14**
